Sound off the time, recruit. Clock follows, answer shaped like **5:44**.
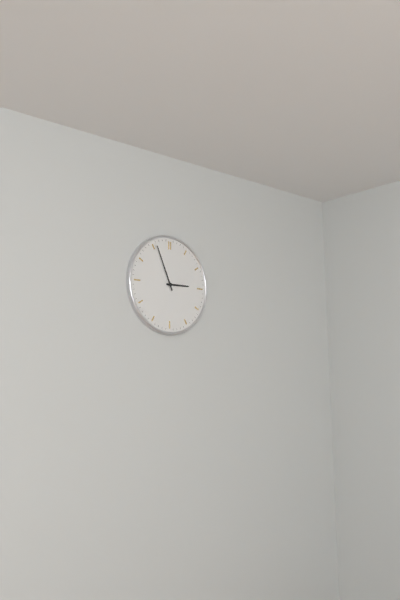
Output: **2:56**
